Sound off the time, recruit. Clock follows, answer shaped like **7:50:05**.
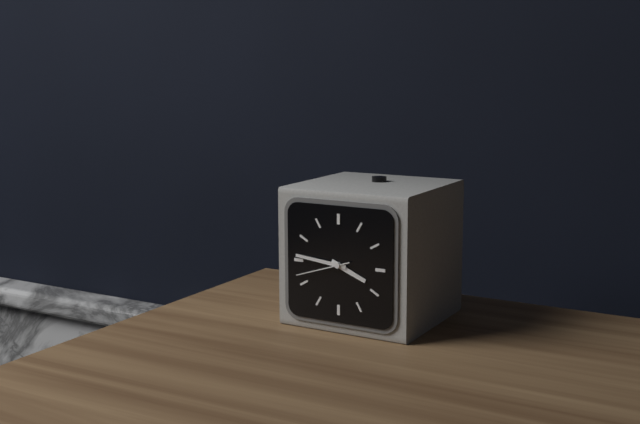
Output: **3:46:42**
